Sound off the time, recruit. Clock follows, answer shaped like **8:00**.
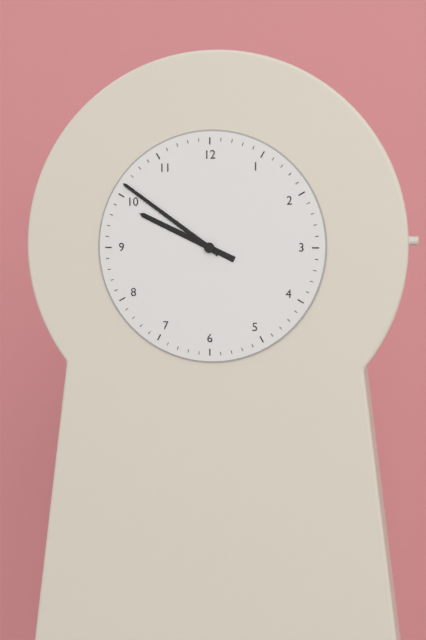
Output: **9:51**
